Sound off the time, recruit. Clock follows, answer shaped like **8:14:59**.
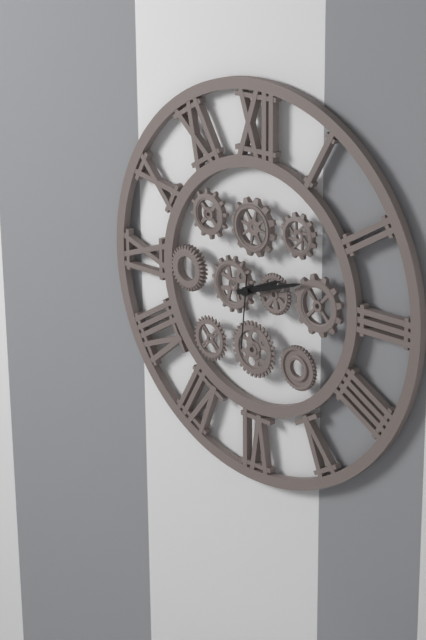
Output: **2:12:31**
